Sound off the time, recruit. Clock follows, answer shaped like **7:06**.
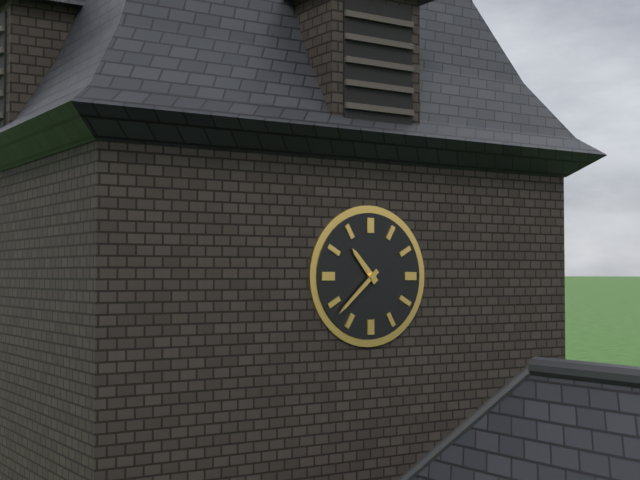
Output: **10:38**
